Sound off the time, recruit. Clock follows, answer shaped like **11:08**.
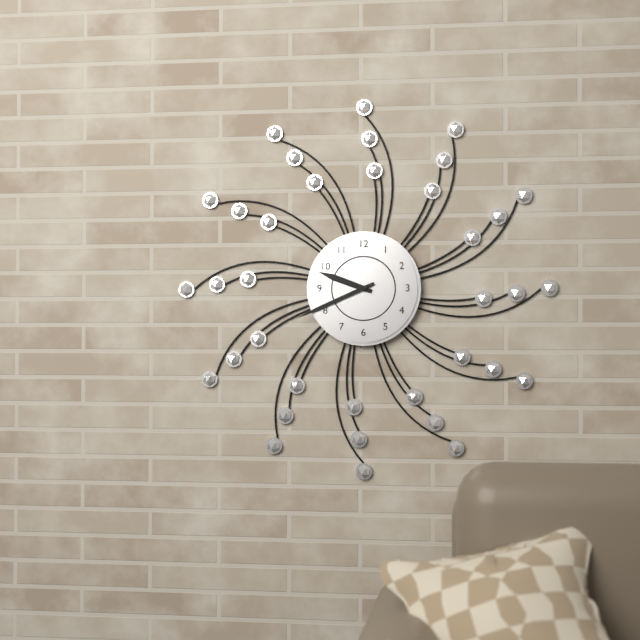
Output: **9:41**
